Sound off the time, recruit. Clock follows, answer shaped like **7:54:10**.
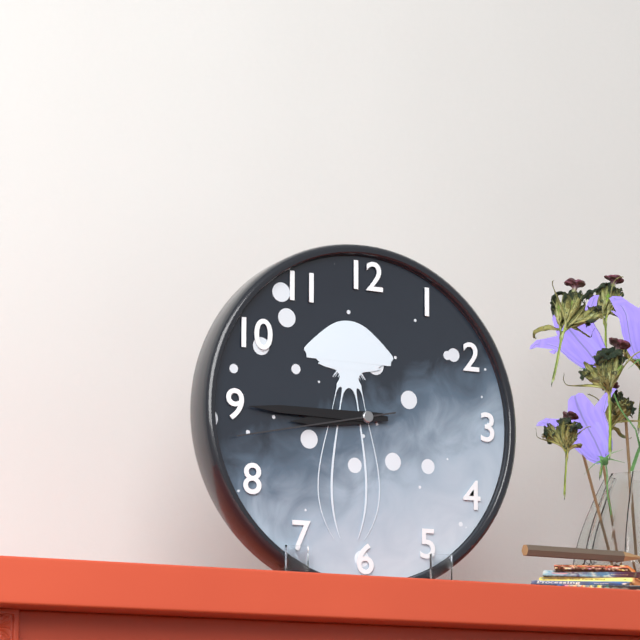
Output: **8:45:43**
